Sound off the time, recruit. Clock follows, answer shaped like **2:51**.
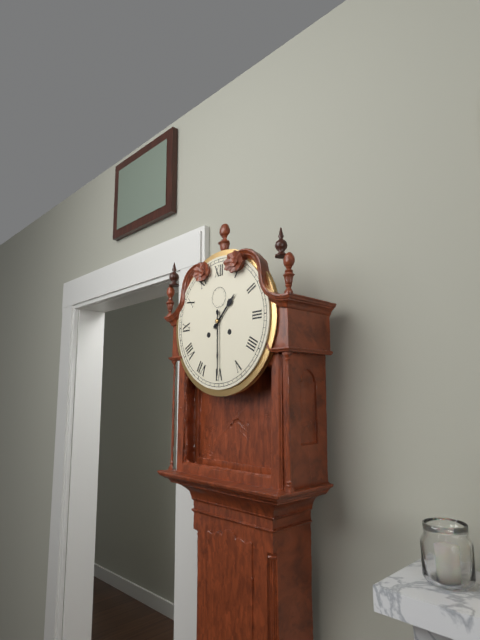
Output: **1:30**
